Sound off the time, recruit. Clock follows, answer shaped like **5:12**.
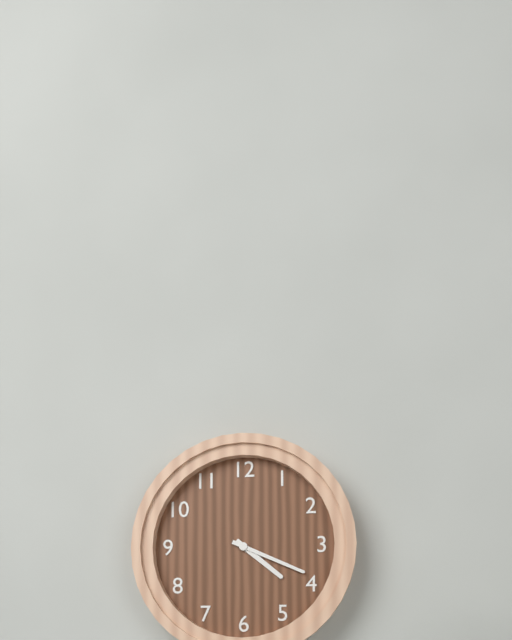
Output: **4:19**
